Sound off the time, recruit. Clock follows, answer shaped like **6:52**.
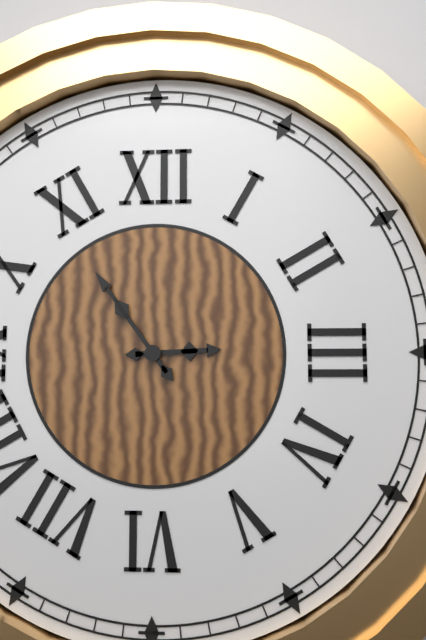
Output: **2:54**
